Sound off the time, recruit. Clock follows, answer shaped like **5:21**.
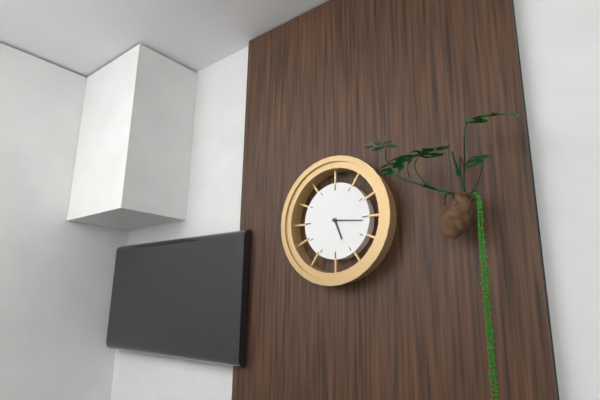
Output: **5:16**
